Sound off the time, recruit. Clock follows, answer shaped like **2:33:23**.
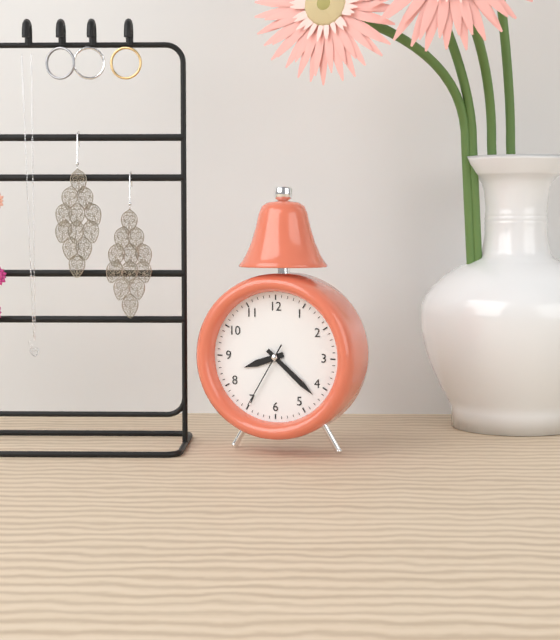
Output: **8:22:35**
